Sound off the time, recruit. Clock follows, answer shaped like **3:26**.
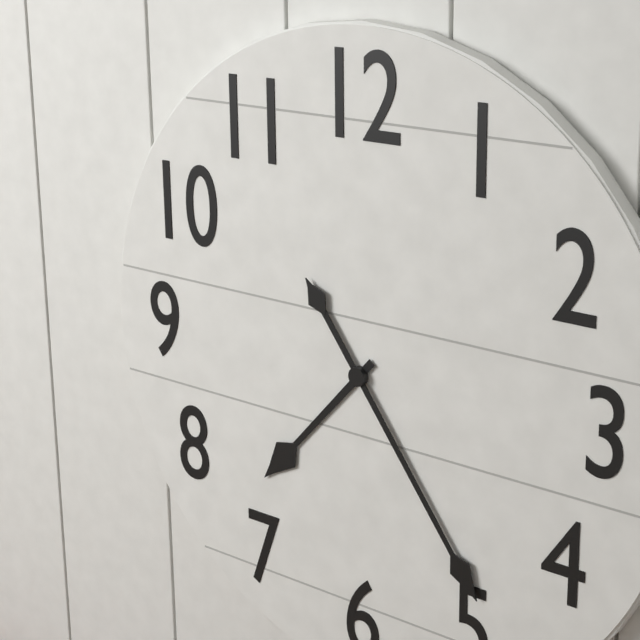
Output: **7:24**
